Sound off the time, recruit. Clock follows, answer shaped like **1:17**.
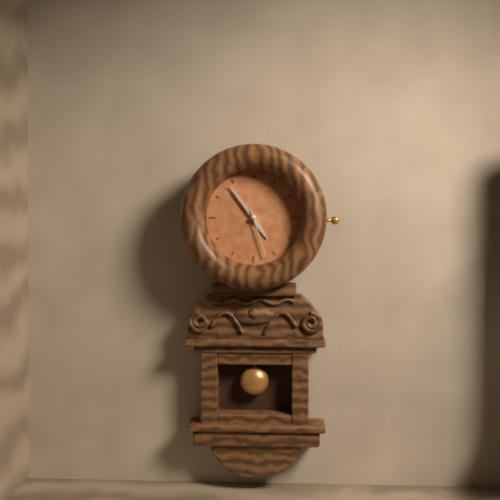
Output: **4:54**
